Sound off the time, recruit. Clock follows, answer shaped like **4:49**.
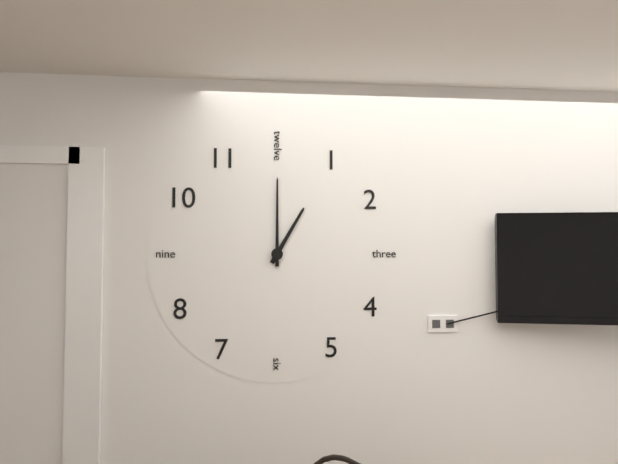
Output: **1:00**
